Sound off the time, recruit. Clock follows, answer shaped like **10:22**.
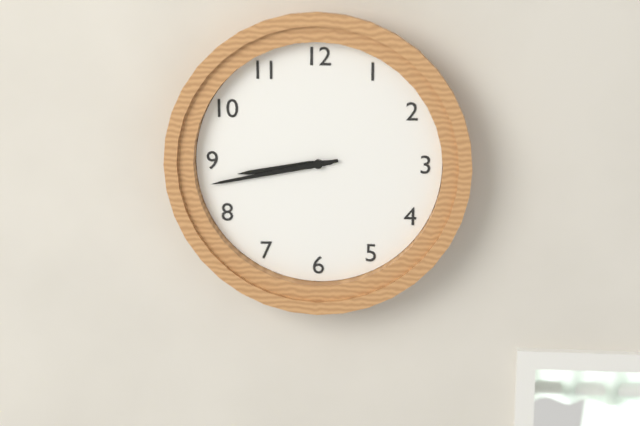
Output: **8:43**
